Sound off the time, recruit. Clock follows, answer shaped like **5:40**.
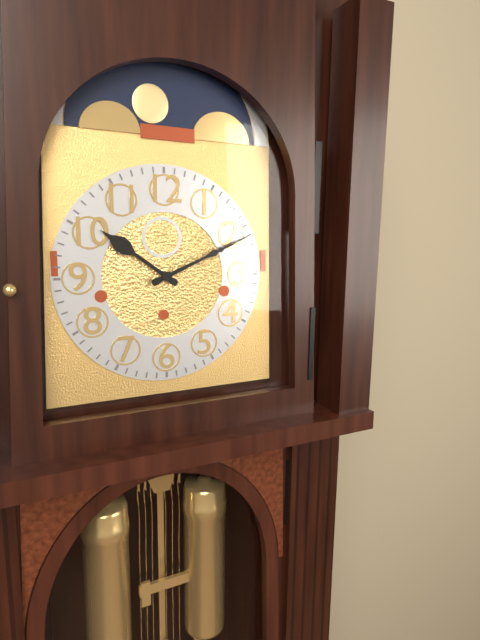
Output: **10:11**
